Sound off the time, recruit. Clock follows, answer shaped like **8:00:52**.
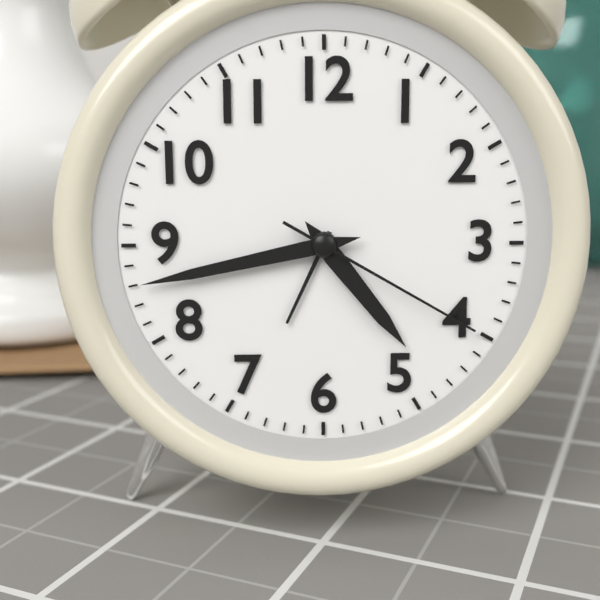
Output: **4:43:20**
